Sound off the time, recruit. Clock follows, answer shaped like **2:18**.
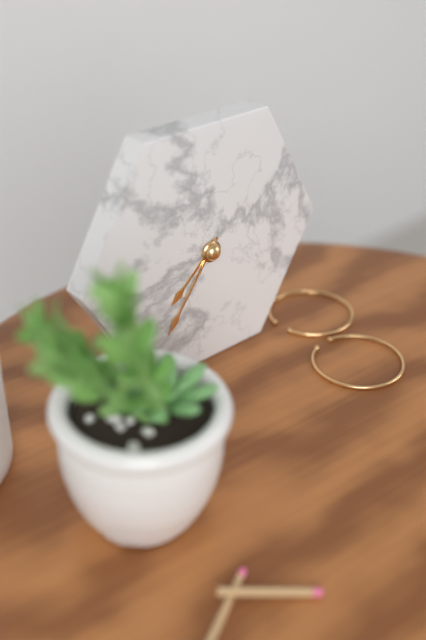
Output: **7:36**
